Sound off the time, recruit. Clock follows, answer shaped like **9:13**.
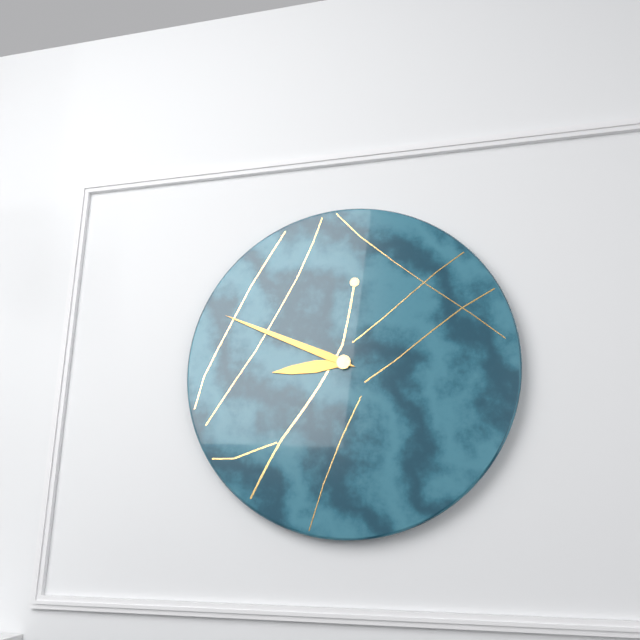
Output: **8:49**
